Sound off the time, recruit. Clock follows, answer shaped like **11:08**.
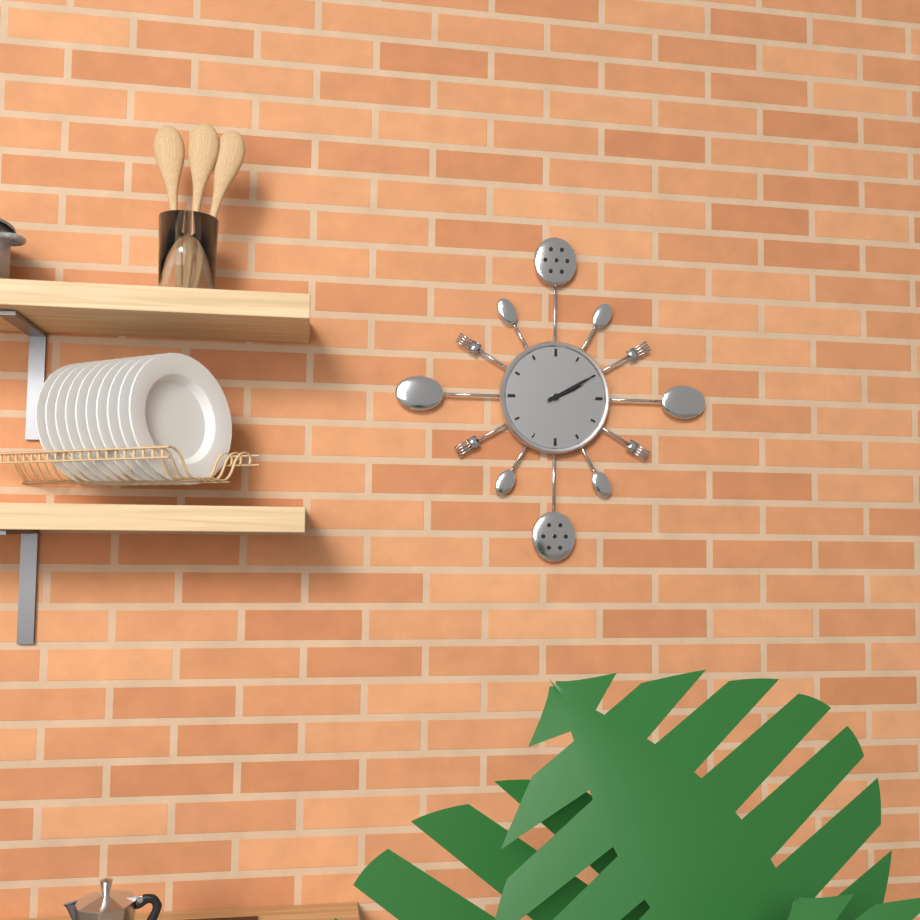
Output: **2:10**
